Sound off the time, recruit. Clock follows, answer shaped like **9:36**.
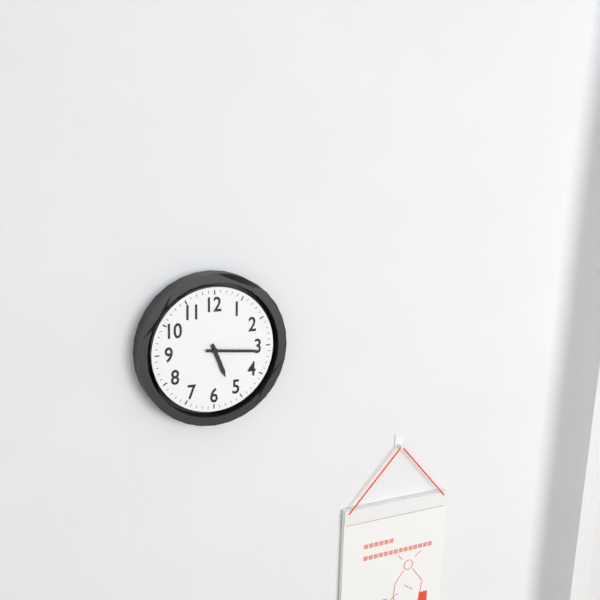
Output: **5:16**
